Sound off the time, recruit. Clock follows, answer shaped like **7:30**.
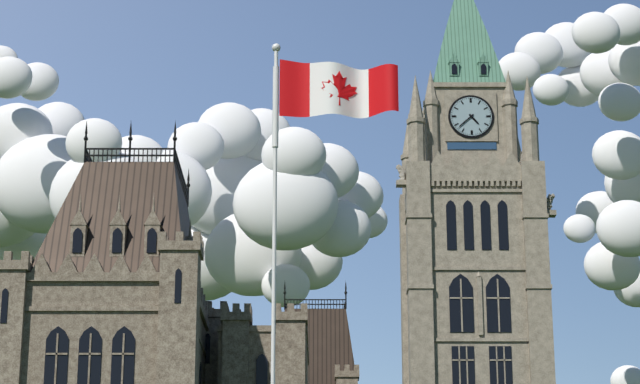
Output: **4:38**
